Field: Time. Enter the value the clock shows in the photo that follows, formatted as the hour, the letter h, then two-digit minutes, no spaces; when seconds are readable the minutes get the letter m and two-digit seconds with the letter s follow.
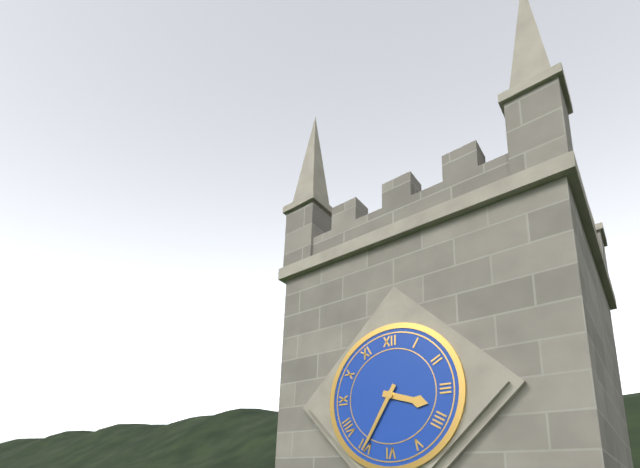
3h35
